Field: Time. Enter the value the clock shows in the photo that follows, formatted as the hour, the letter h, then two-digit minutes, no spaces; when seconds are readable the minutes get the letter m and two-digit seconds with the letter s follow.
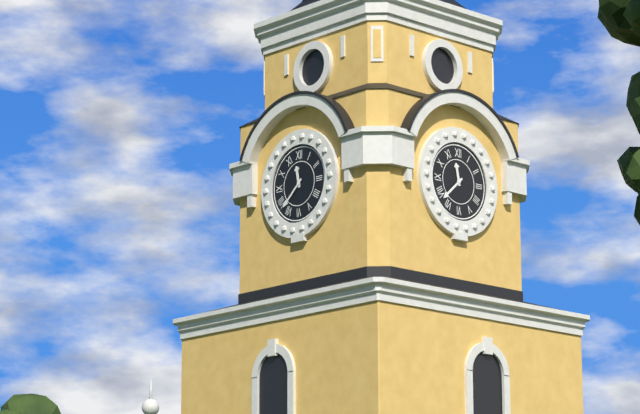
11h38
